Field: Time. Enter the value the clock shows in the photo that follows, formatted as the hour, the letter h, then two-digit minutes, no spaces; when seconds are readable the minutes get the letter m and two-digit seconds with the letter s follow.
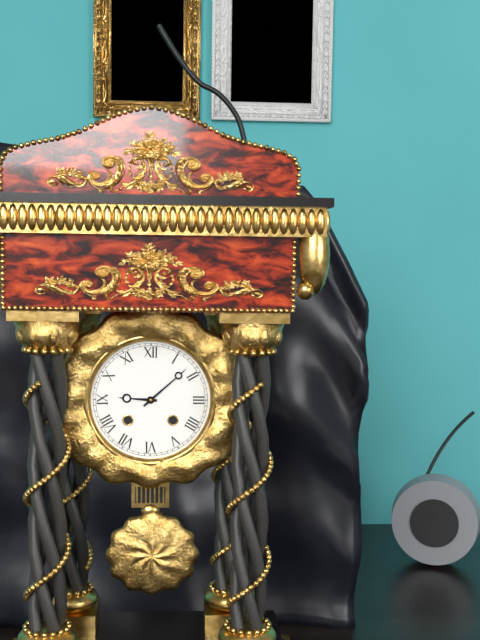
9h08
